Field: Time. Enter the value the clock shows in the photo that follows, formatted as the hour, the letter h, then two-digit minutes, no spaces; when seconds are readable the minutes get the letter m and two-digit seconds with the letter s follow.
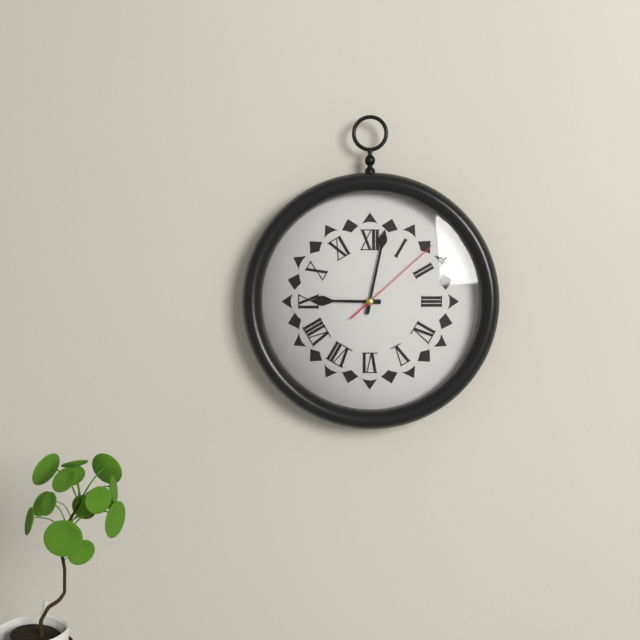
9h02m08s
